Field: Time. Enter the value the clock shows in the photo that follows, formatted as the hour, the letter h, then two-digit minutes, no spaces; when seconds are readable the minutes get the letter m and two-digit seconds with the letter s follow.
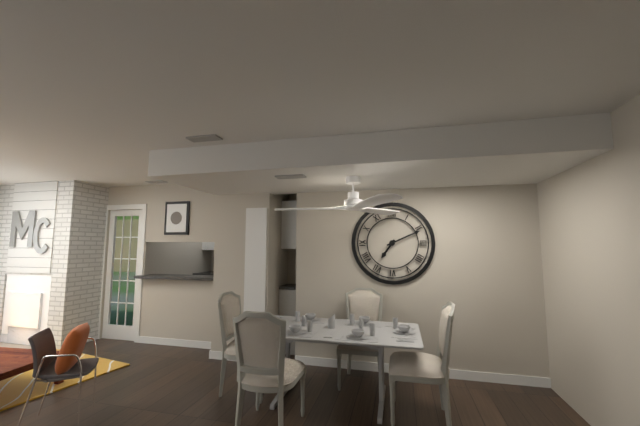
7h11
